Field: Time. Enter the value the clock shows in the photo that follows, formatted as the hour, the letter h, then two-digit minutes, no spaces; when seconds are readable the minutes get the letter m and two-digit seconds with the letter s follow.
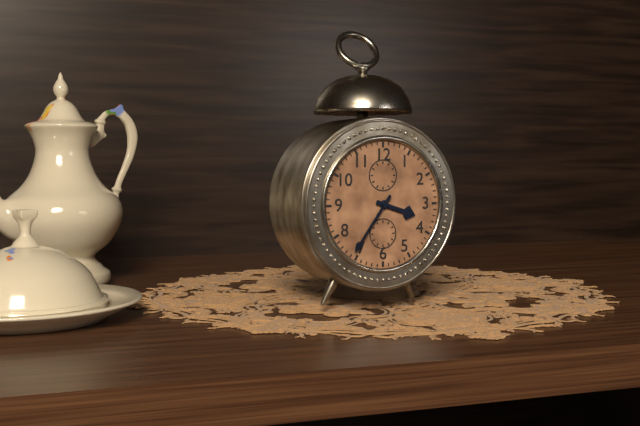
3h36
